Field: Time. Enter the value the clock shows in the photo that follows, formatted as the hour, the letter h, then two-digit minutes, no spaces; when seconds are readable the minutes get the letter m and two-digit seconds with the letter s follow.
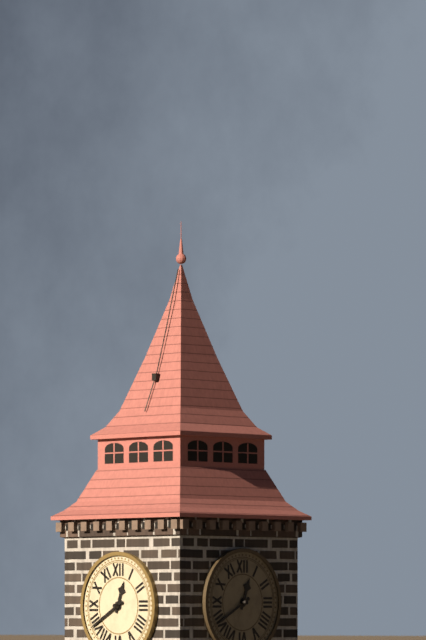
12h40
